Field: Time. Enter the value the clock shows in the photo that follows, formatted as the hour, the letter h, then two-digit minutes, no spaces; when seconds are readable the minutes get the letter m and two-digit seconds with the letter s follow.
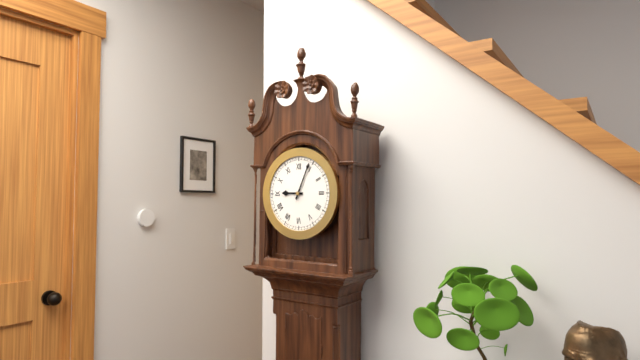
9h04
